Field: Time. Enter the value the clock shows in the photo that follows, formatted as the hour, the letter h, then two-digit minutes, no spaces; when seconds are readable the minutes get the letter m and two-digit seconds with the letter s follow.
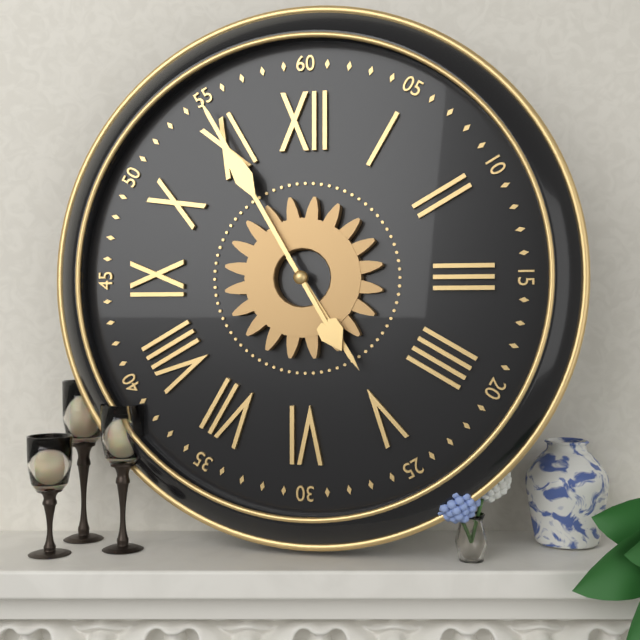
4h55
